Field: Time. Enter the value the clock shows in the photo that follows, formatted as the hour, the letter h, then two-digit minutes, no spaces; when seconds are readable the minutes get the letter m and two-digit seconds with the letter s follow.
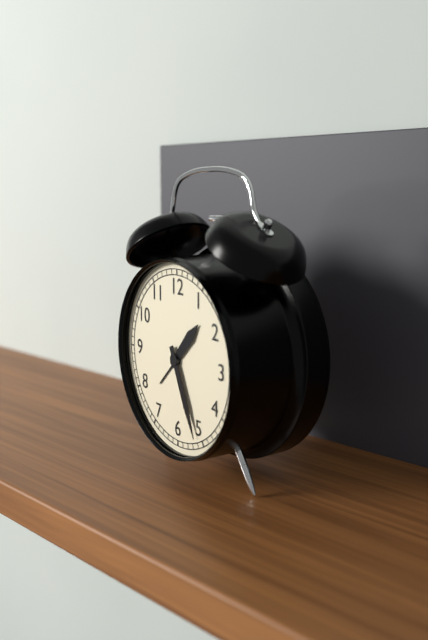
1h26
